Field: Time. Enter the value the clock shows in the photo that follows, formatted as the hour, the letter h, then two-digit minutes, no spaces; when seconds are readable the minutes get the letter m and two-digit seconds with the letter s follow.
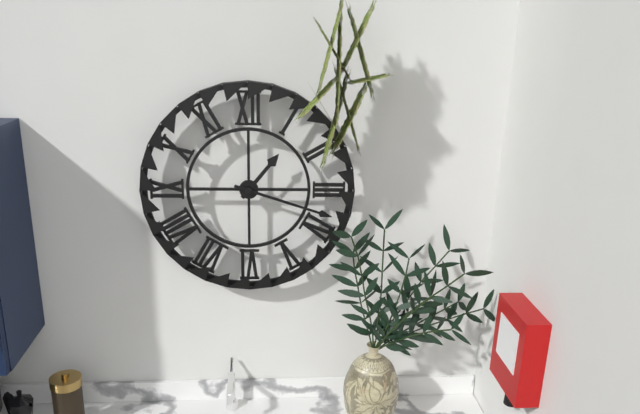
1h18
